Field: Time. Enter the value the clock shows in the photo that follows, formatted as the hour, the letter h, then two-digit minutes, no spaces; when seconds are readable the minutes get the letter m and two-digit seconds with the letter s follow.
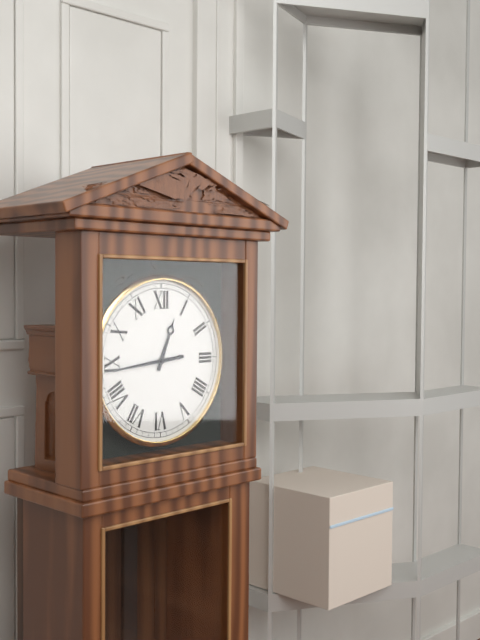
12h44
